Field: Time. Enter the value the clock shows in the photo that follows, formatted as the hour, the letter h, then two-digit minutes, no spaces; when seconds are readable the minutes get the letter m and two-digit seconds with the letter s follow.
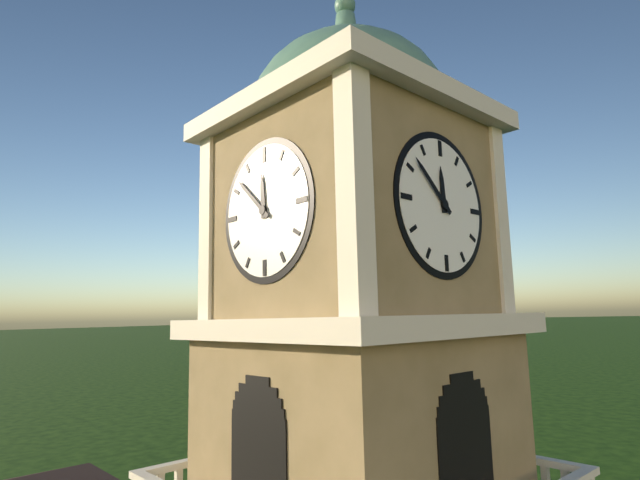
11h52
